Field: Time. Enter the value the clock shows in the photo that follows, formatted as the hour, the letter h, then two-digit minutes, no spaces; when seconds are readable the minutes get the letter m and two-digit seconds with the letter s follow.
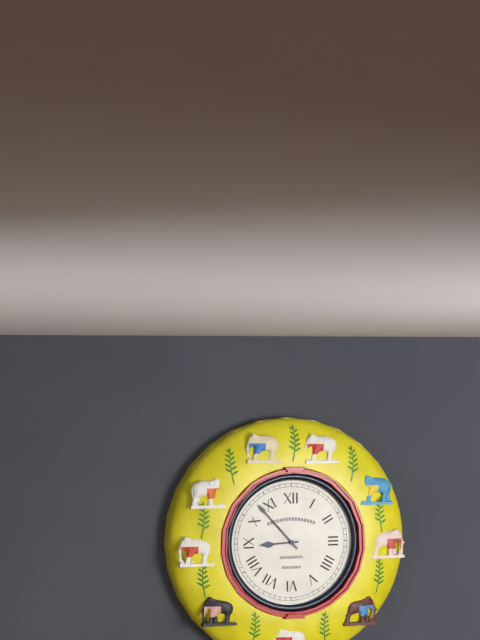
8h53
